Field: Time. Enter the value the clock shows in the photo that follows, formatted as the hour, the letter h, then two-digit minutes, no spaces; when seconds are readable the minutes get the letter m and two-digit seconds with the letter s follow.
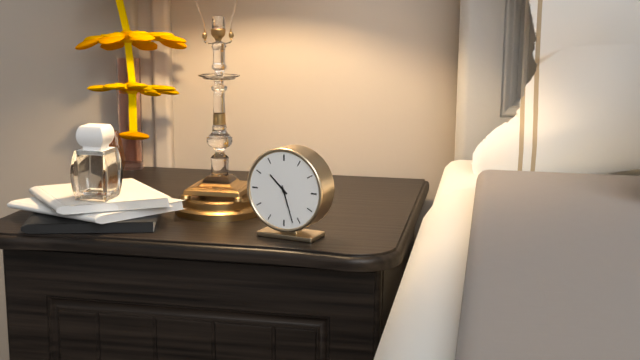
10h27
